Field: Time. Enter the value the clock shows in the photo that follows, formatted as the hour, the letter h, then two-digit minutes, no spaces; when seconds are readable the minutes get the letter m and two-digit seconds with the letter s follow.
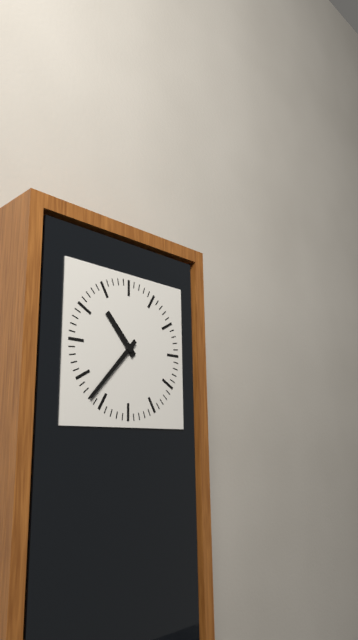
10h37
